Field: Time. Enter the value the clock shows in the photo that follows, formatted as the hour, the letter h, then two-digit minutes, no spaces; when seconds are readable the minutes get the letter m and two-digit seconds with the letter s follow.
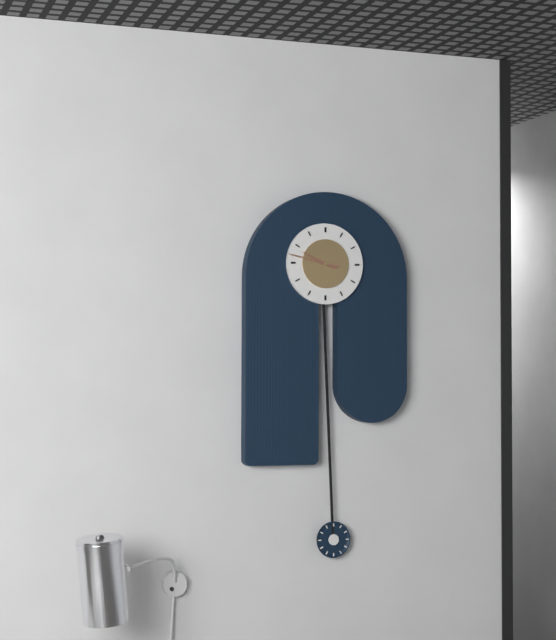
9h47
